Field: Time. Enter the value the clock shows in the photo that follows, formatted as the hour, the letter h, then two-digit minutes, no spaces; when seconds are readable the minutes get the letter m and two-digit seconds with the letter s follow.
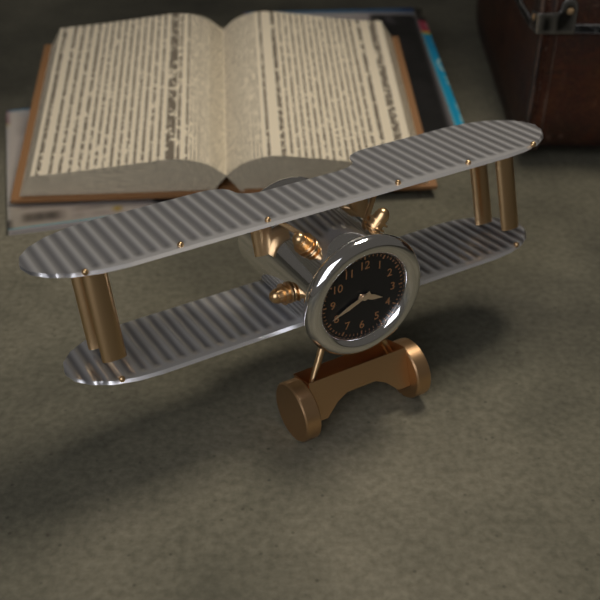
3h41
